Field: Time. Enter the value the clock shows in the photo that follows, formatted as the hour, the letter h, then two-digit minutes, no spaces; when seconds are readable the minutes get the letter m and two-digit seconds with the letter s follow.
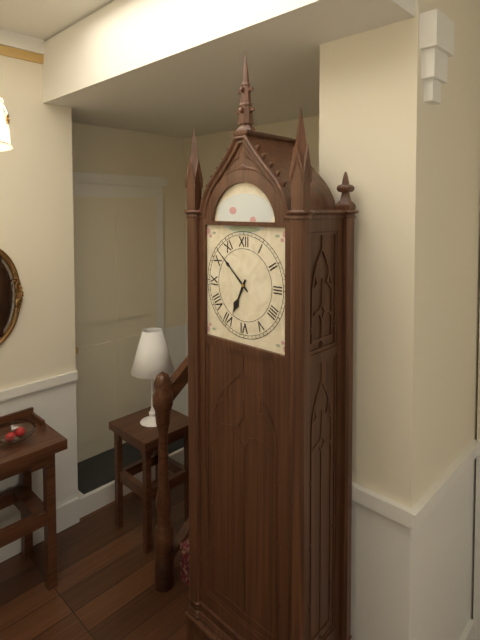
6h52
